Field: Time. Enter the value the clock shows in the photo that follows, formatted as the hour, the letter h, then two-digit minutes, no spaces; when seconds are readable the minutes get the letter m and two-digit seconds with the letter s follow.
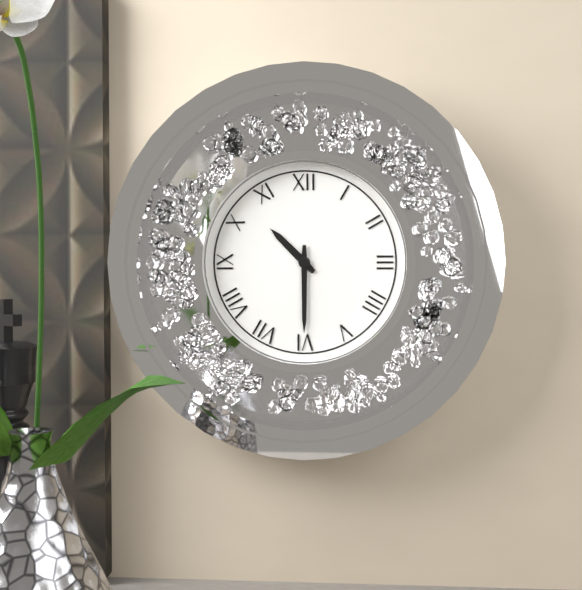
10h30
